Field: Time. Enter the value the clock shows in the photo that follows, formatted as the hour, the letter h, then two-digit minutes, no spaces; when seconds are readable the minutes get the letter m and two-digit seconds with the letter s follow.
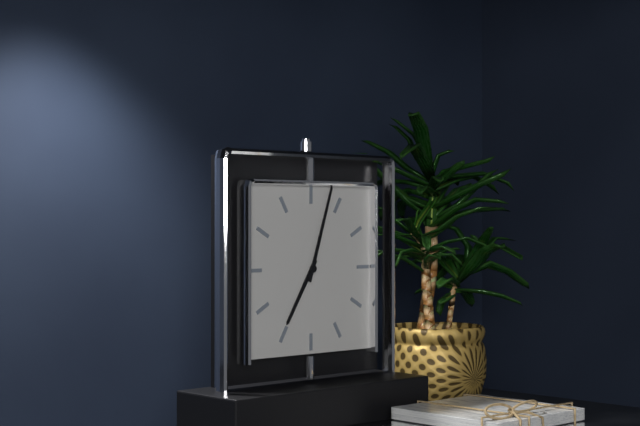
7h03
